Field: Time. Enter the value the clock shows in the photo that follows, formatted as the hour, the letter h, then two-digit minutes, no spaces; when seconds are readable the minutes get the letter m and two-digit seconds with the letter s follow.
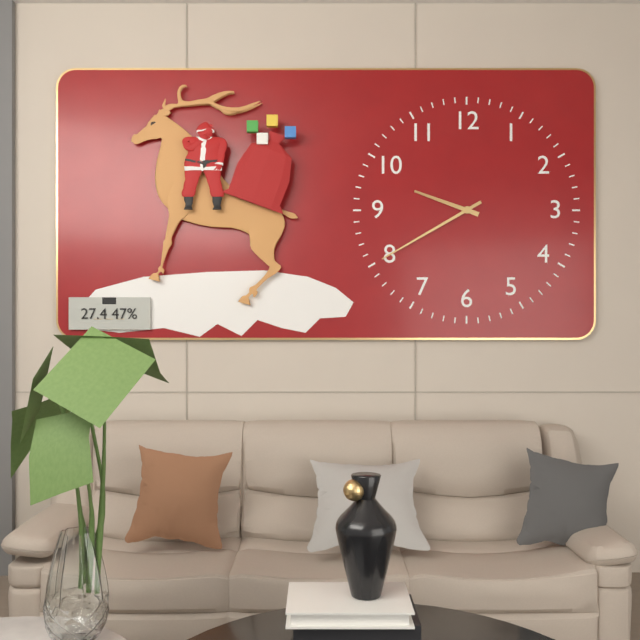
9h40
